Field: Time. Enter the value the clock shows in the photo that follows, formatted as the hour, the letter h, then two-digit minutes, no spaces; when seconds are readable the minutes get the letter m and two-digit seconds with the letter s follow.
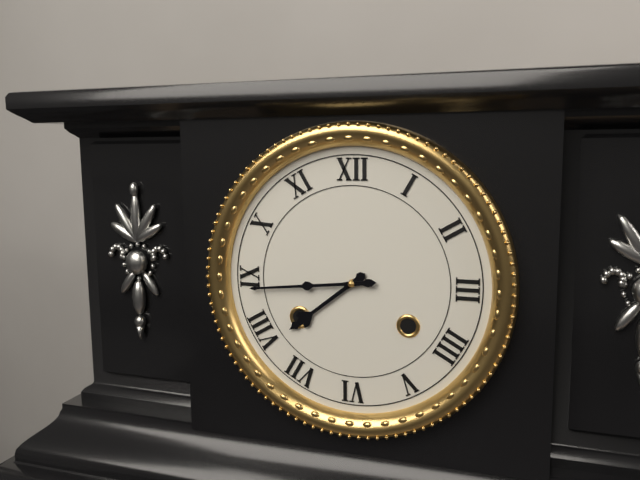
7h44
